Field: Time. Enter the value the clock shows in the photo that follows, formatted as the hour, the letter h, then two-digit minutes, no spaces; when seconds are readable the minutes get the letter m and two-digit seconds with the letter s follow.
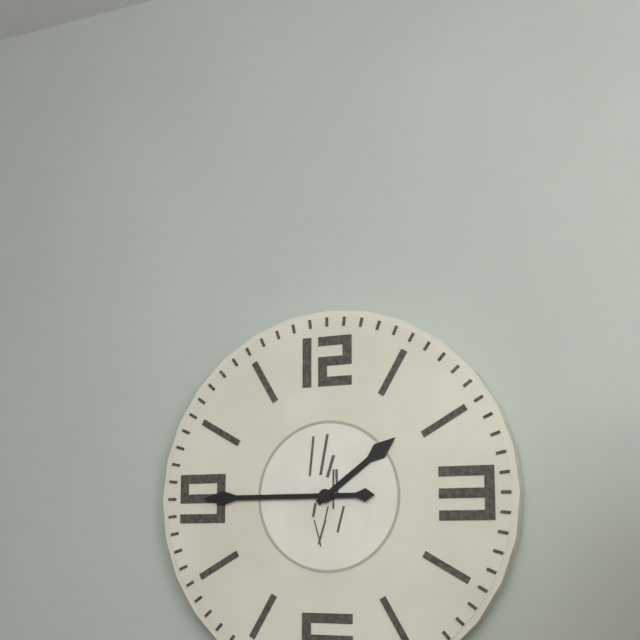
1h45
